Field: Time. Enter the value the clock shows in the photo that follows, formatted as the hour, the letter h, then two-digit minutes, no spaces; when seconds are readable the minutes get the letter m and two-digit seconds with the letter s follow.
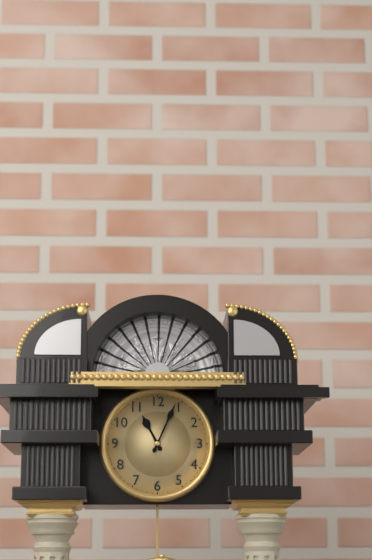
11h04
